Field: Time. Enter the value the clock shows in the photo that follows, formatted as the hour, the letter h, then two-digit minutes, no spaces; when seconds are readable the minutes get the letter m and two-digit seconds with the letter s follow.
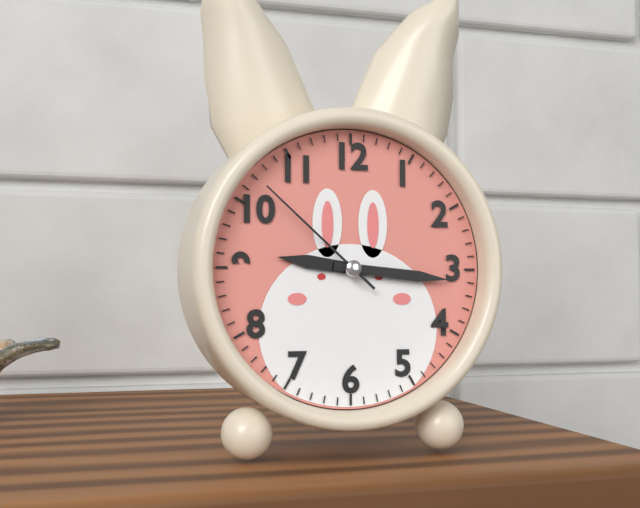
9h16m52s
